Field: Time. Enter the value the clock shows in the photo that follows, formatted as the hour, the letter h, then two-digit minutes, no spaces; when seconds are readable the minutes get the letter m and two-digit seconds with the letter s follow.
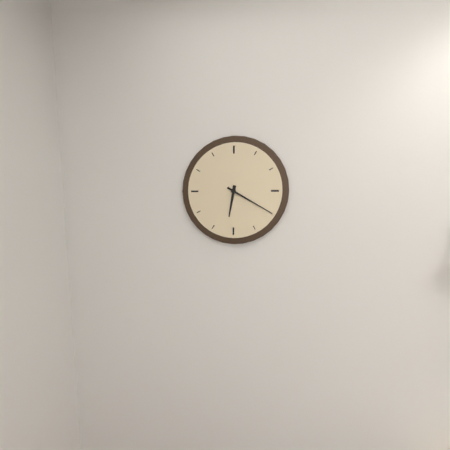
6h20
